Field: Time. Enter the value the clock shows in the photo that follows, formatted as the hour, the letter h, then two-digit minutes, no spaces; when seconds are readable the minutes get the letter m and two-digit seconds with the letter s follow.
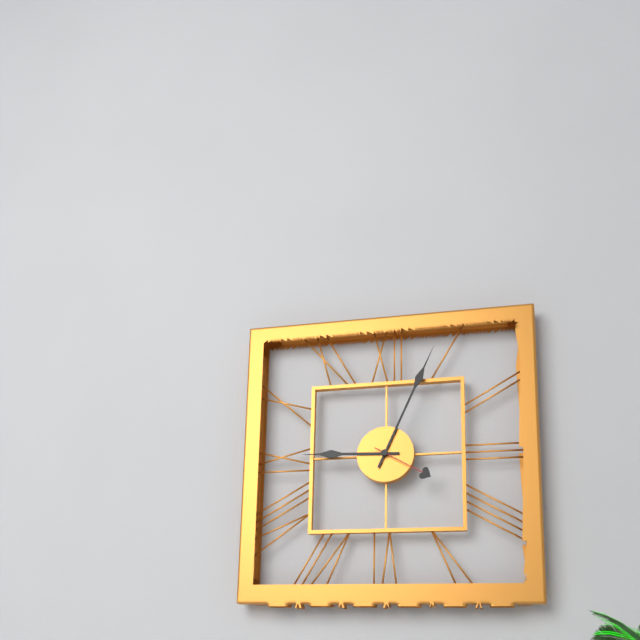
9h04m20s
